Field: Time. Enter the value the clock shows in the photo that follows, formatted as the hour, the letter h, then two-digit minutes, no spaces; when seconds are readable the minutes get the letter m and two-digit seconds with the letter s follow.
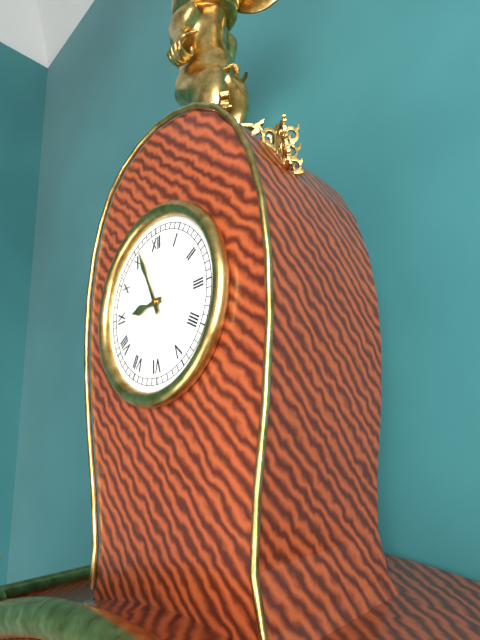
8h56
